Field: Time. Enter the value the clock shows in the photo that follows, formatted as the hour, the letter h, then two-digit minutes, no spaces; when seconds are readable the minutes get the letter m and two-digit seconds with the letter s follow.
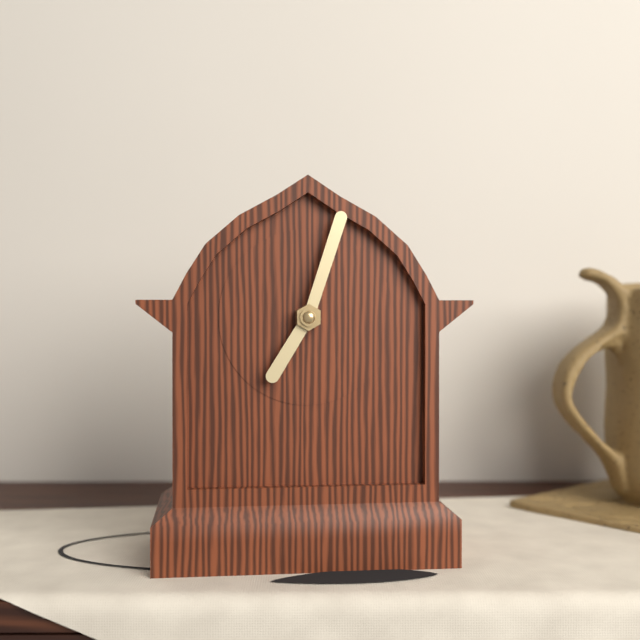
7h03
